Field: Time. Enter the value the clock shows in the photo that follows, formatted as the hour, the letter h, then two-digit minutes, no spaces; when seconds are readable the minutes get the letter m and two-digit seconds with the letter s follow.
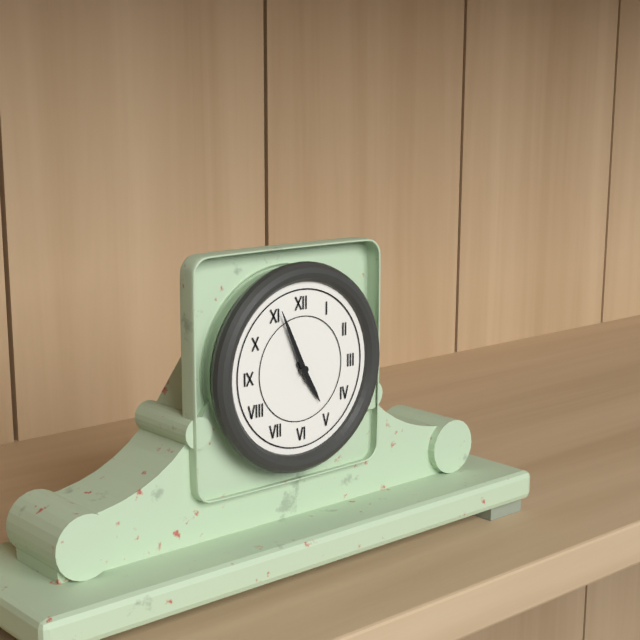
4h56
